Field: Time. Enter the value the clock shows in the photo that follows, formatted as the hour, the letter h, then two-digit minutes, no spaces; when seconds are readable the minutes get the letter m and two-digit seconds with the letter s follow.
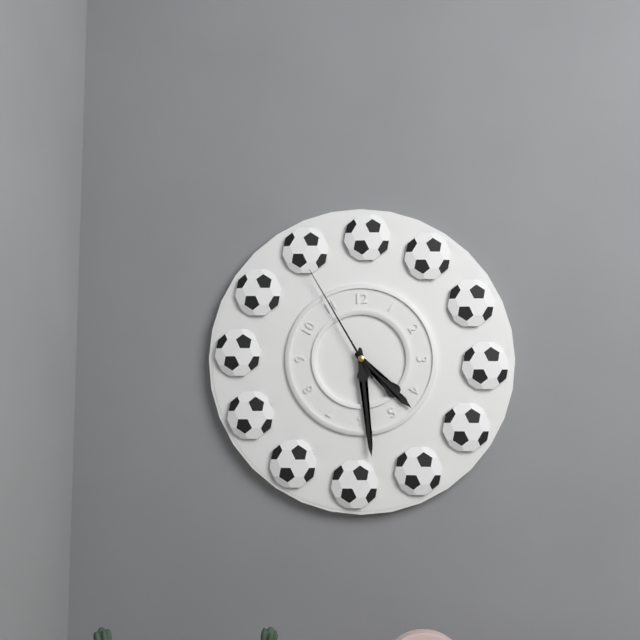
4h29m55s
